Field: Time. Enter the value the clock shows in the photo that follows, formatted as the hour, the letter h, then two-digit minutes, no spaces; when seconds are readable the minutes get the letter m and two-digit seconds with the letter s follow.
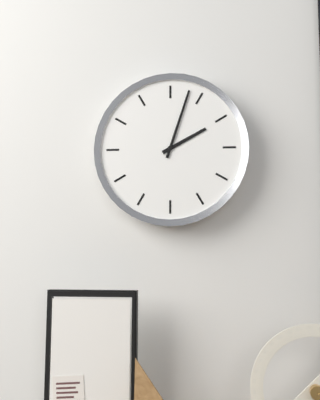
2h03
